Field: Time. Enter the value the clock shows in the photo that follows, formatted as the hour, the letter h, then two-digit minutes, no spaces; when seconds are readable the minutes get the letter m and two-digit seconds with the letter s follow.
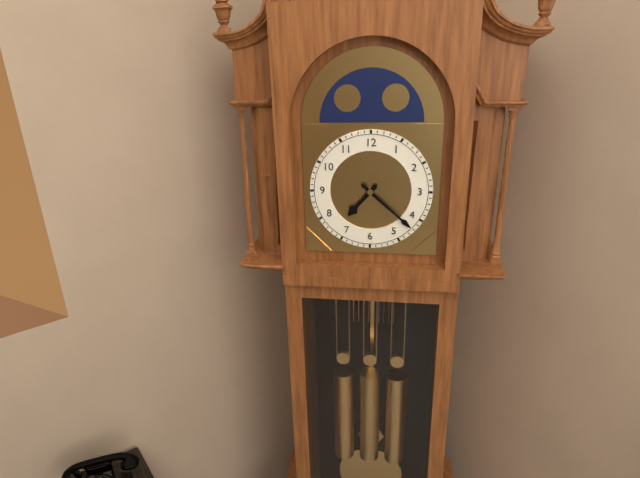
7h22
